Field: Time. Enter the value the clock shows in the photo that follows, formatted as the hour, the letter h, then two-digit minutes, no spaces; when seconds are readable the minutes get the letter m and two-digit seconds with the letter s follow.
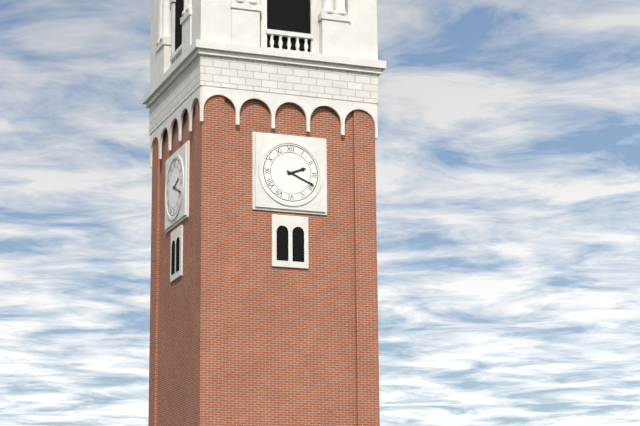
2h19
